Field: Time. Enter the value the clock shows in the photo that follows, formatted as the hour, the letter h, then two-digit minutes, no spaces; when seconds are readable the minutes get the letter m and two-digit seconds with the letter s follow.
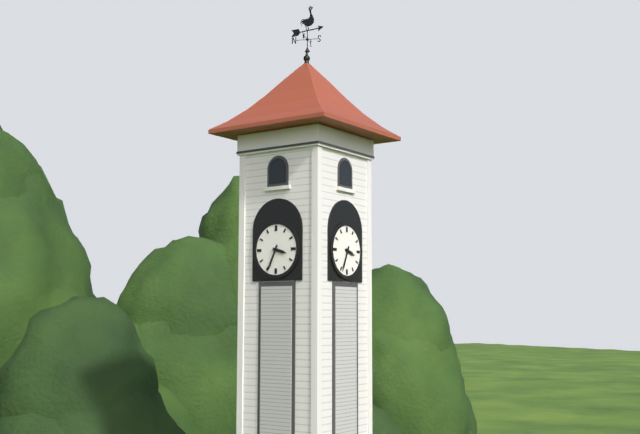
3h34
